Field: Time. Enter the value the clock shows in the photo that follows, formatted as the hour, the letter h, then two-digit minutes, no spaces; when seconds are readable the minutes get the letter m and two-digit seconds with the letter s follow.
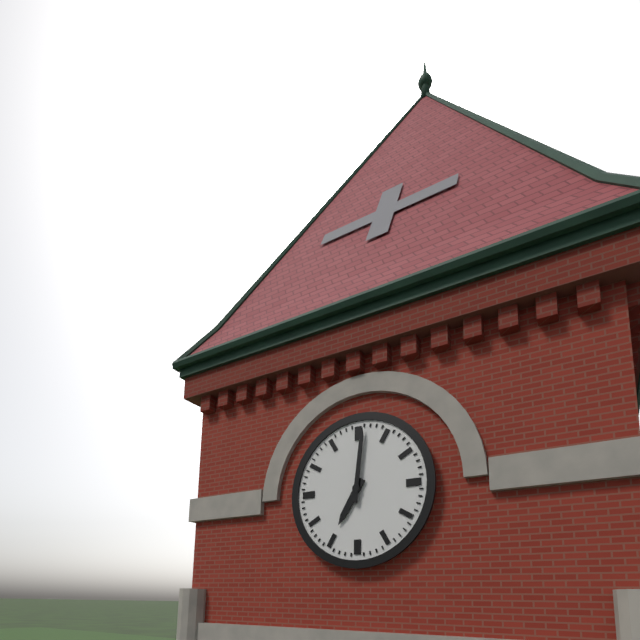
7h01
